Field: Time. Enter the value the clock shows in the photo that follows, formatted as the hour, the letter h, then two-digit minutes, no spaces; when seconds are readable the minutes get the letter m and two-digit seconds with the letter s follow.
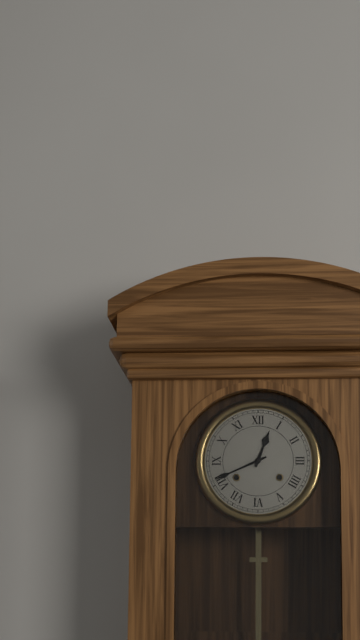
12h41
